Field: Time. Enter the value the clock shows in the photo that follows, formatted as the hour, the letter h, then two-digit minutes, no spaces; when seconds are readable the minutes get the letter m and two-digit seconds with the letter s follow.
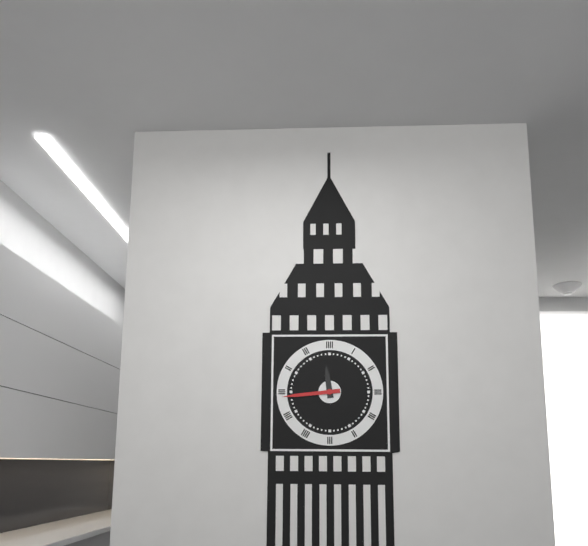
11h44
